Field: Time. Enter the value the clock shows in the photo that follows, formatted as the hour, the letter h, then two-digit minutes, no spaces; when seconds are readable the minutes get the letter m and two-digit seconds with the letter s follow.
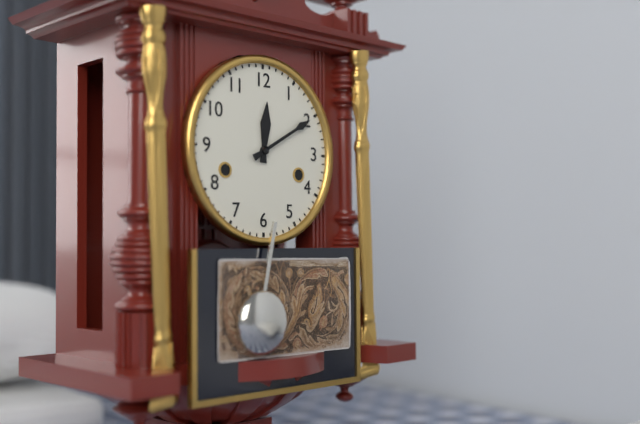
12h10
